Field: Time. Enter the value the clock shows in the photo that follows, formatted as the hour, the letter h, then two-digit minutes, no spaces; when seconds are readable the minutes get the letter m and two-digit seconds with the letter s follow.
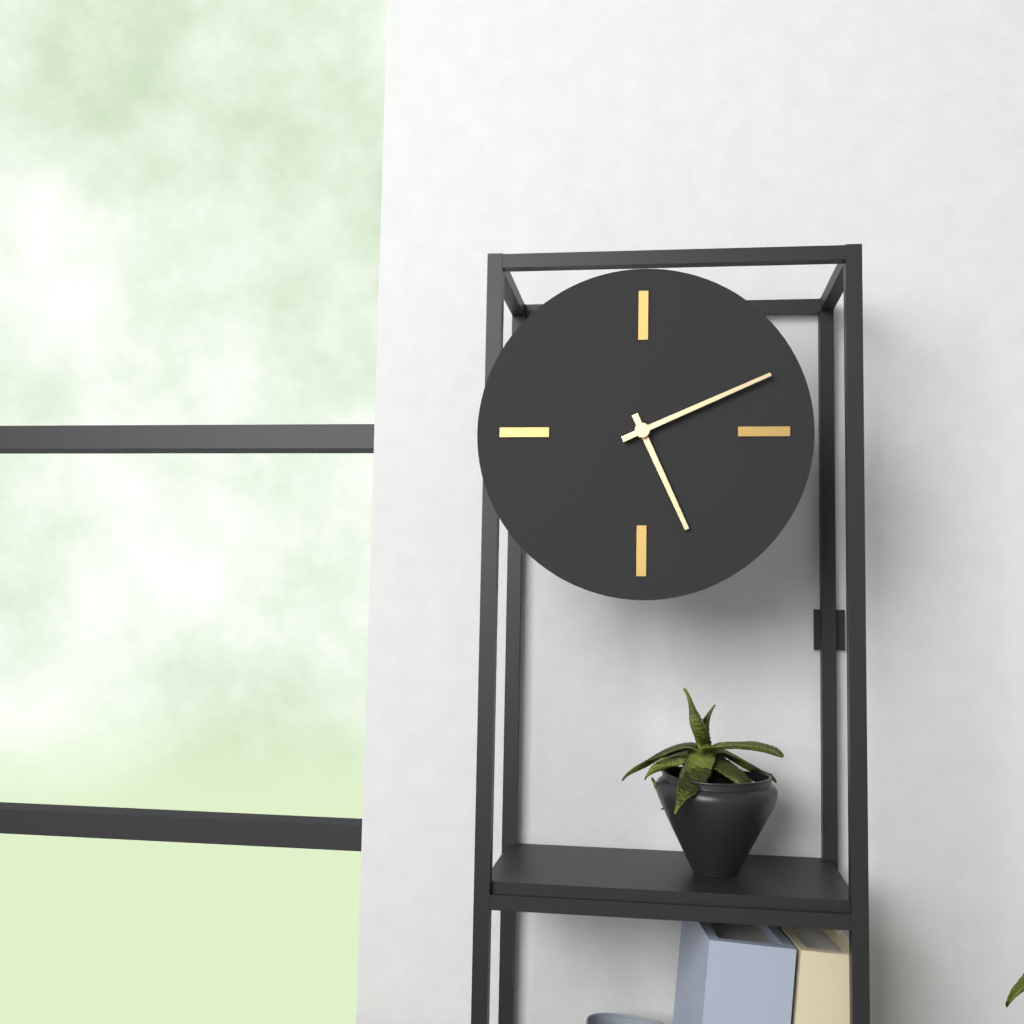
5h11
